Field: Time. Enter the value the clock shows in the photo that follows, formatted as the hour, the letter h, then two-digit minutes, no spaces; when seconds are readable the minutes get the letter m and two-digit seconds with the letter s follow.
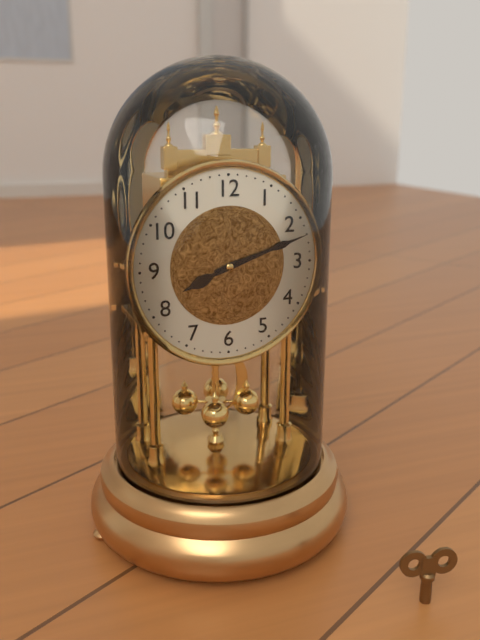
8h12
